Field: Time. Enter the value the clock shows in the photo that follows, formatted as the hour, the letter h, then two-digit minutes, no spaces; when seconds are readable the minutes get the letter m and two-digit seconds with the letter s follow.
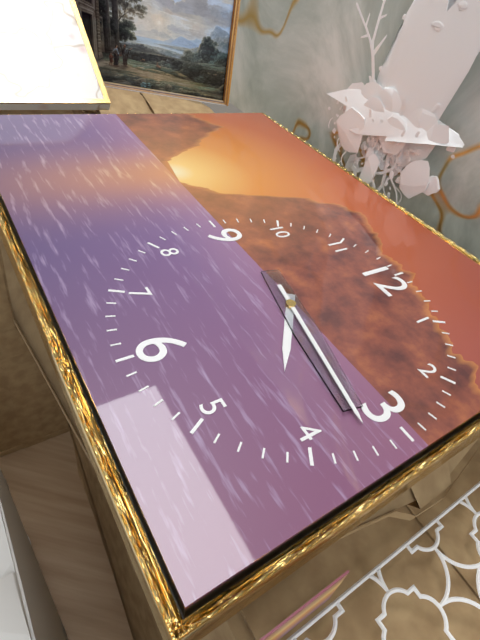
4h17
